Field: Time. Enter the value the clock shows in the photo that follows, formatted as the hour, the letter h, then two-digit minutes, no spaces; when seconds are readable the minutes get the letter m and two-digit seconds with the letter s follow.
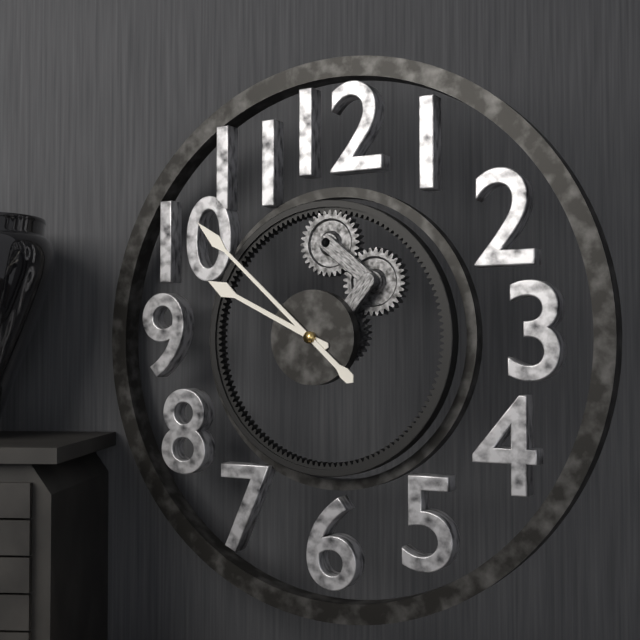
9h52
